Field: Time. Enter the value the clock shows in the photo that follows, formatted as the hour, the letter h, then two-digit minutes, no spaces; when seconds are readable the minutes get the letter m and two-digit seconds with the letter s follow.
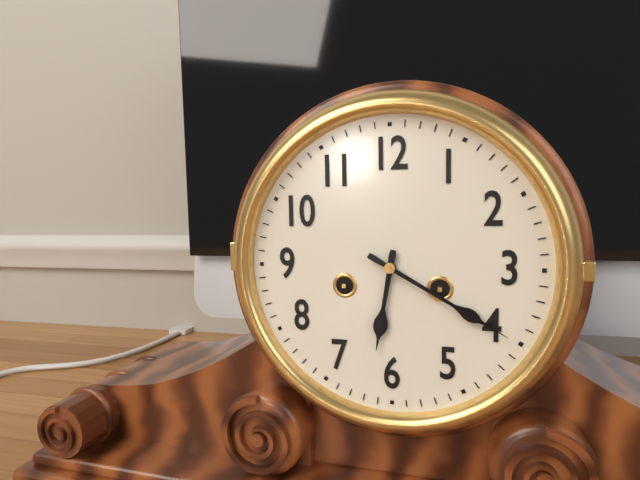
6h20
